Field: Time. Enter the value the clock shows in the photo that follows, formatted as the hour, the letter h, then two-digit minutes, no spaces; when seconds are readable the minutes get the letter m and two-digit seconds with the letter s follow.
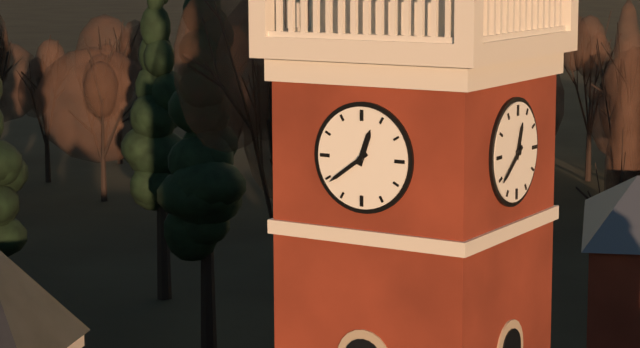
12h39
